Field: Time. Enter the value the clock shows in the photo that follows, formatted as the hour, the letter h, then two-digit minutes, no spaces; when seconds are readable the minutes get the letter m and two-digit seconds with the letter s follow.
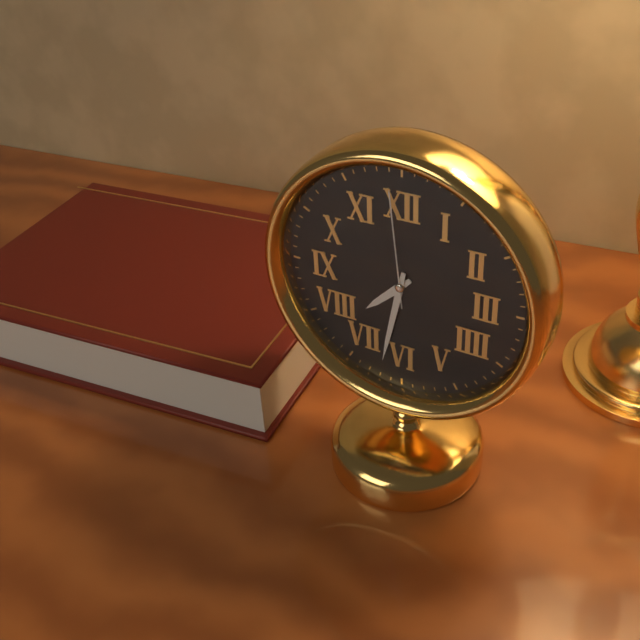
7h32m59s
